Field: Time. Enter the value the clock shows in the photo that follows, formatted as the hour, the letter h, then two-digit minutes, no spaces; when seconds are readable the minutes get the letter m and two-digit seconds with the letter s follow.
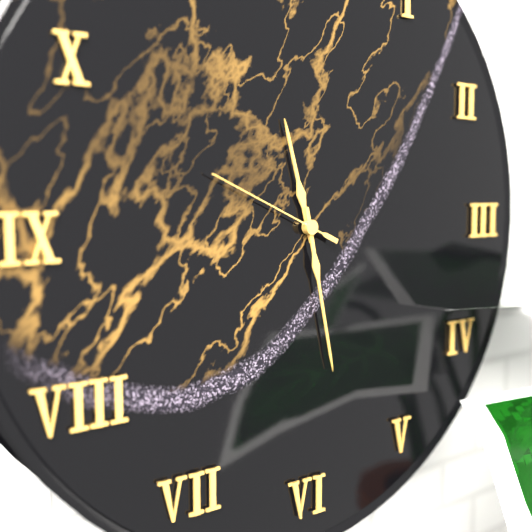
11h28m49s
